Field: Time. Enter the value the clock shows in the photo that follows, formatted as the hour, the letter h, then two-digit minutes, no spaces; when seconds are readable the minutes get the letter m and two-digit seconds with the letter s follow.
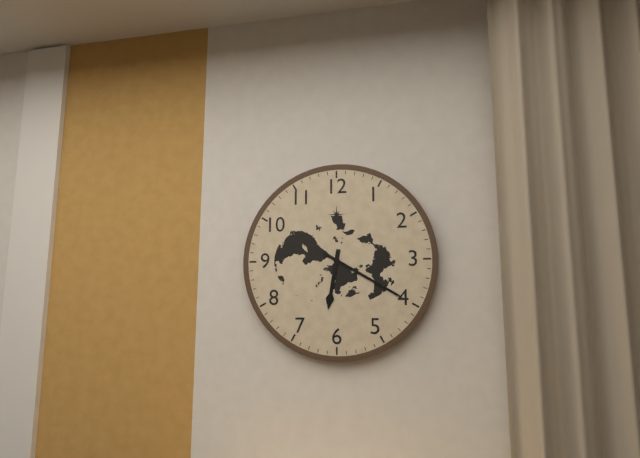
6h20
